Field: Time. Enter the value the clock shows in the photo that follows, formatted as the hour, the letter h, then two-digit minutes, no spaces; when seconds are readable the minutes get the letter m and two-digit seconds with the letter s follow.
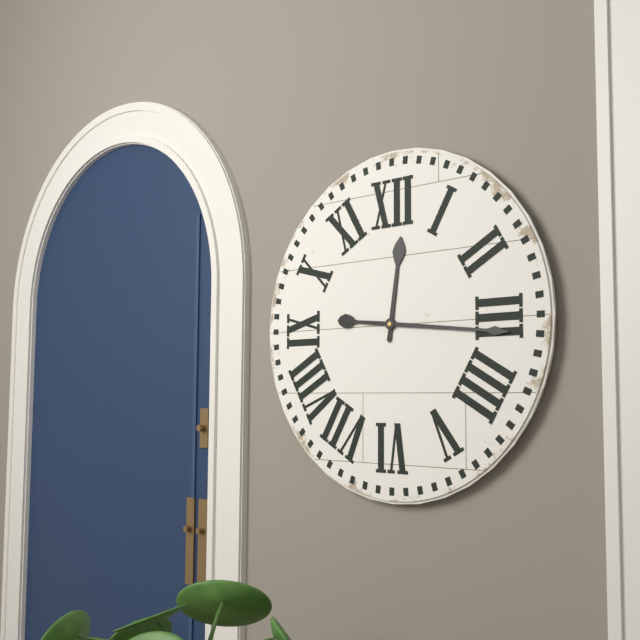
12h16
